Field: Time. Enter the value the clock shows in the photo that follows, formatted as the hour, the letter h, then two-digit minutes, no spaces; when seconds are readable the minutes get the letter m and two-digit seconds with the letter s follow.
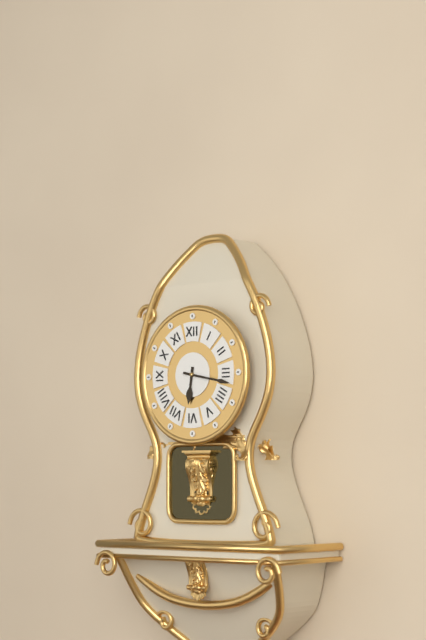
6h17
